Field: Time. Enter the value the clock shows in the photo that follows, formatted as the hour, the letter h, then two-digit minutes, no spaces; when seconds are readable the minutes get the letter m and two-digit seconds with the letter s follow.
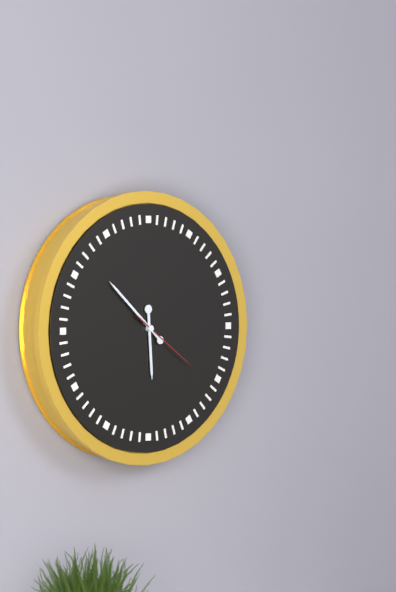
5h52m21s
